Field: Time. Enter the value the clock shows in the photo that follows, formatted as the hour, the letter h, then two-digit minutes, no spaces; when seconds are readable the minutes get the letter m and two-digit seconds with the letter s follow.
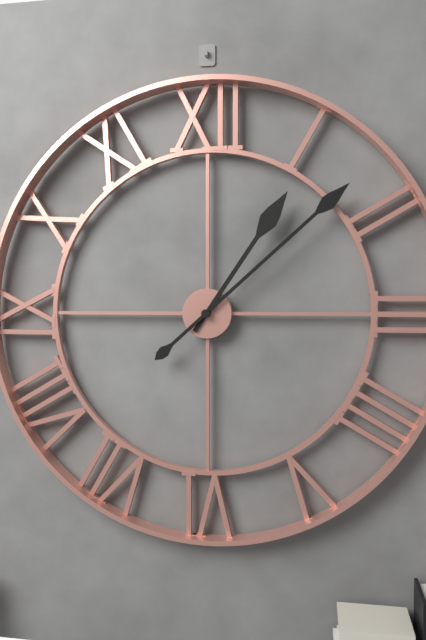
1h08
